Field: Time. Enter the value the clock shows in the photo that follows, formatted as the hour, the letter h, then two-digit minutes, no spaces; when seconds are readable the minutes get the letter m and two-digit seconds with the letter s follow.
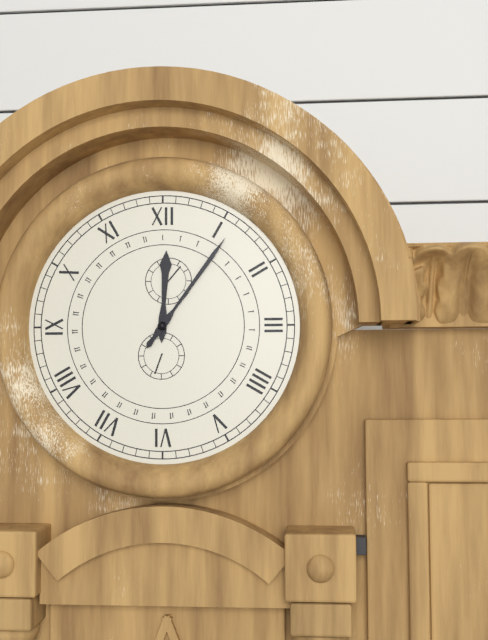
12h06
